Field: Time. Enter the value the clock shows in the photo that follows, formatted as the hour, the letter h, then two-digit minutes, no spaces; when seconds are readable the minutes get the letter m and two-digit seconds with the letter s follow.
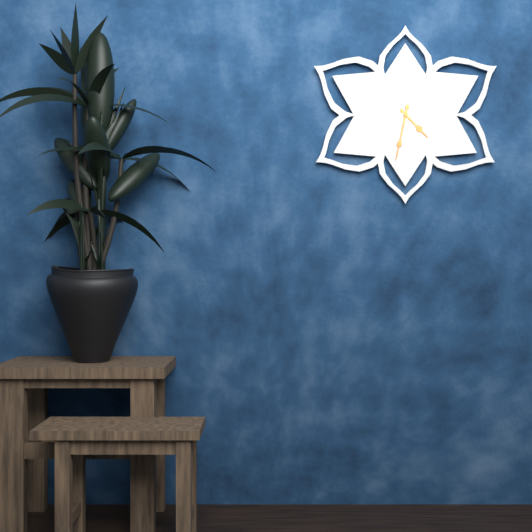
4h32
